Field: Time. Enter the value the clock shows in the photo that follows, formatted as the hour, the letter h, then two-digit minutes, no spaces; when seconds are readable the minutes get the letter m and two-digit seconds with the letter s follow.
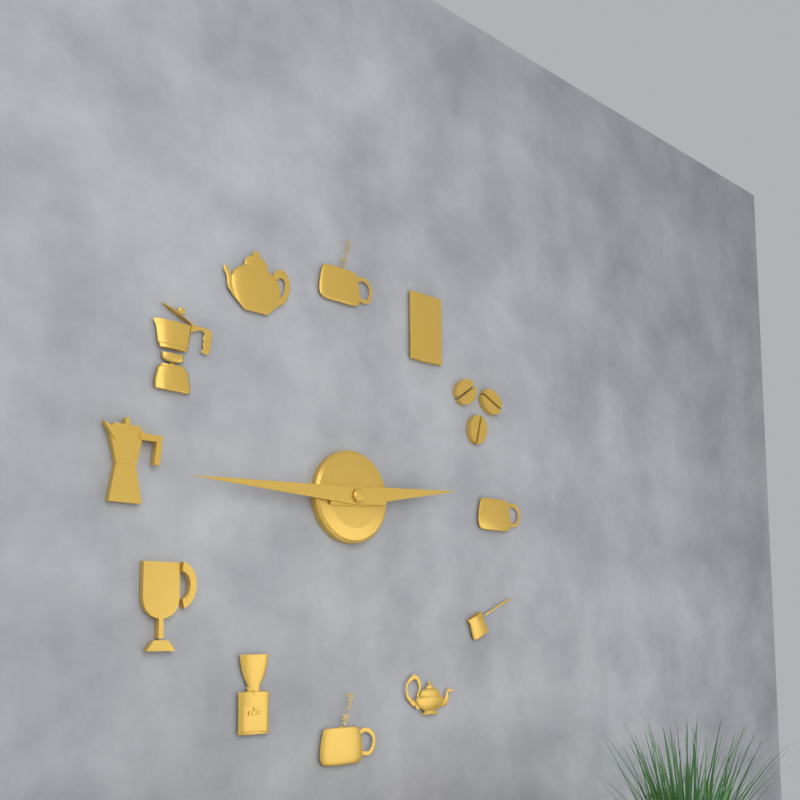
2h45
